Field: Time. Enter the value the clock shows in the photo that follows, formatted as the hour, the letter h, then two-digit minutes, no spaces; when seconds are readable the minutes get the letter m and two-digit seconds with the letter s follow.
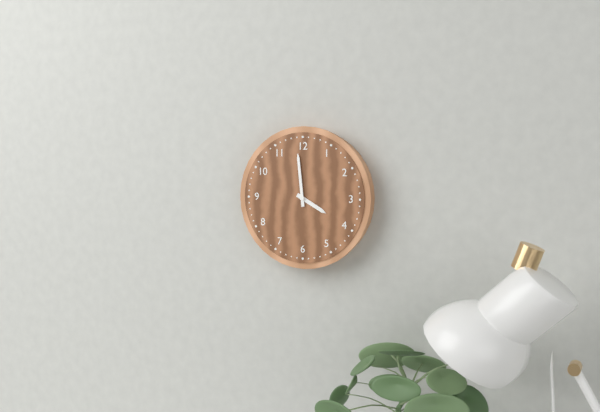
3h59
